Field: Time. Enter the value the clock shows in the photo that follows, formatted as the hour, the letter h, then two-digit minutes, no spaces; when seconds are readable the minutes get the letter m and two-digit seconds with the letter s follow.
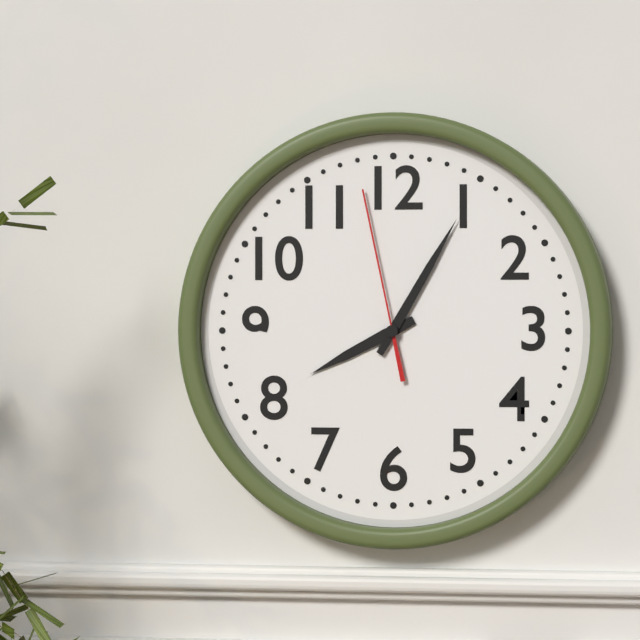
8h05m58s
